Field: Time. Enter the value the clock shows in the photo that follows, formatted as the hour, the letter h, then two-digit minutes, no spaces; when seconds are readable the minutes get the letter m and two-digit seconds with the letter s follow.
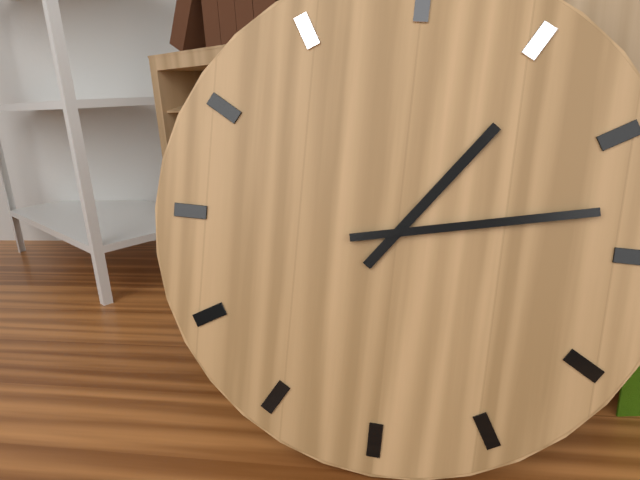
1h13
